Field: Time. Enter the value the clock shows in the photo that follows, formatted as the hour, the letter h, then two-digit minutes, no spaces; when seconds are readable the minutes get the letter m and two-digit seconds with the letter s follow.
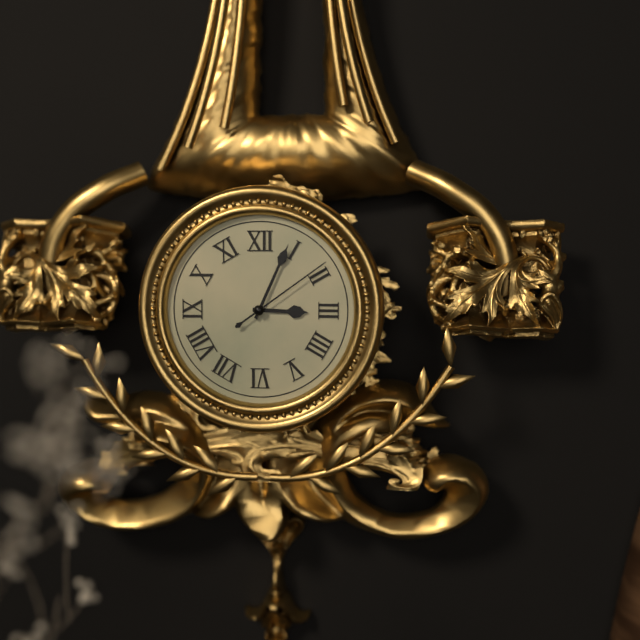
3h04m09s
